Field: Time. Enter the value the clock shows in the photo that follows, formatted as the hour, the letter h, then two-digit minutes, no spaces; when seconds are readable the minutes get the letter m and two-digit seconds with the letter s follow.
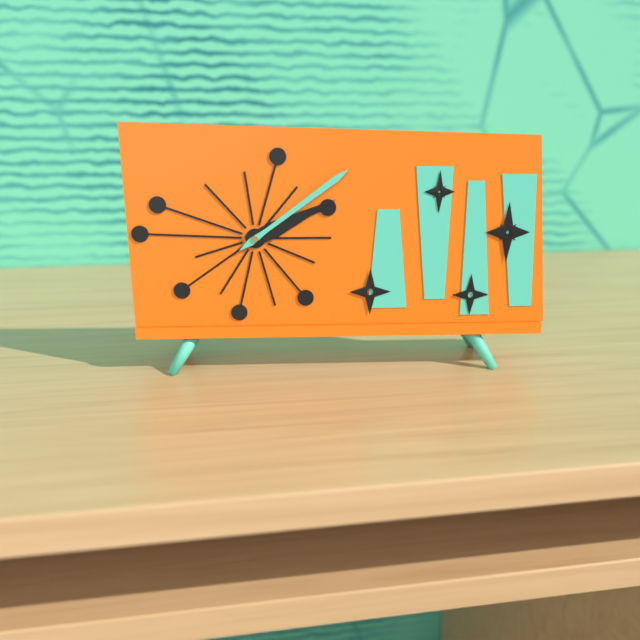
2h09
